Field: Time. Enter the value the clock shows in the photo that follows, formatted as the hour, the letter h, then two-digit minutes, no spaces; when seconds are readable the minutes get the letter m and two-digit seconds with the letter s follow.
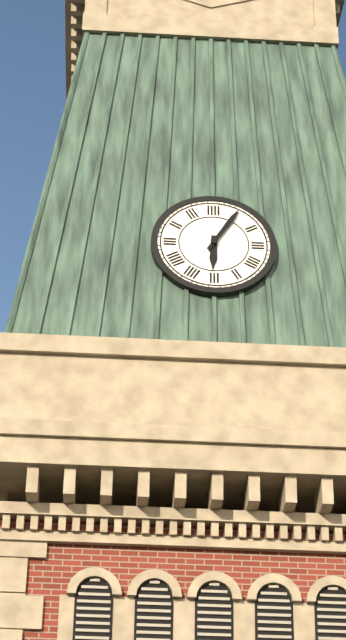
6h05
